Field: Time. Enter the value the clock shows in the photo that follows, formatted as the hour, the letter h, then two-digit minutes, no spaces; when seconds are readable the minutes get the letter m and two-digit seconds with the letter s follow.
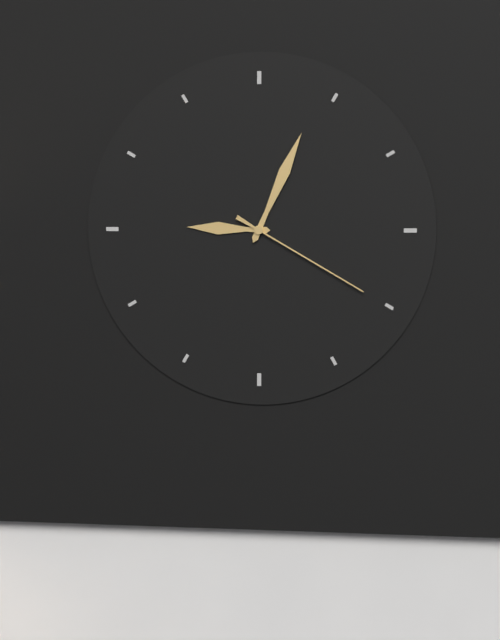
9h04m20s
